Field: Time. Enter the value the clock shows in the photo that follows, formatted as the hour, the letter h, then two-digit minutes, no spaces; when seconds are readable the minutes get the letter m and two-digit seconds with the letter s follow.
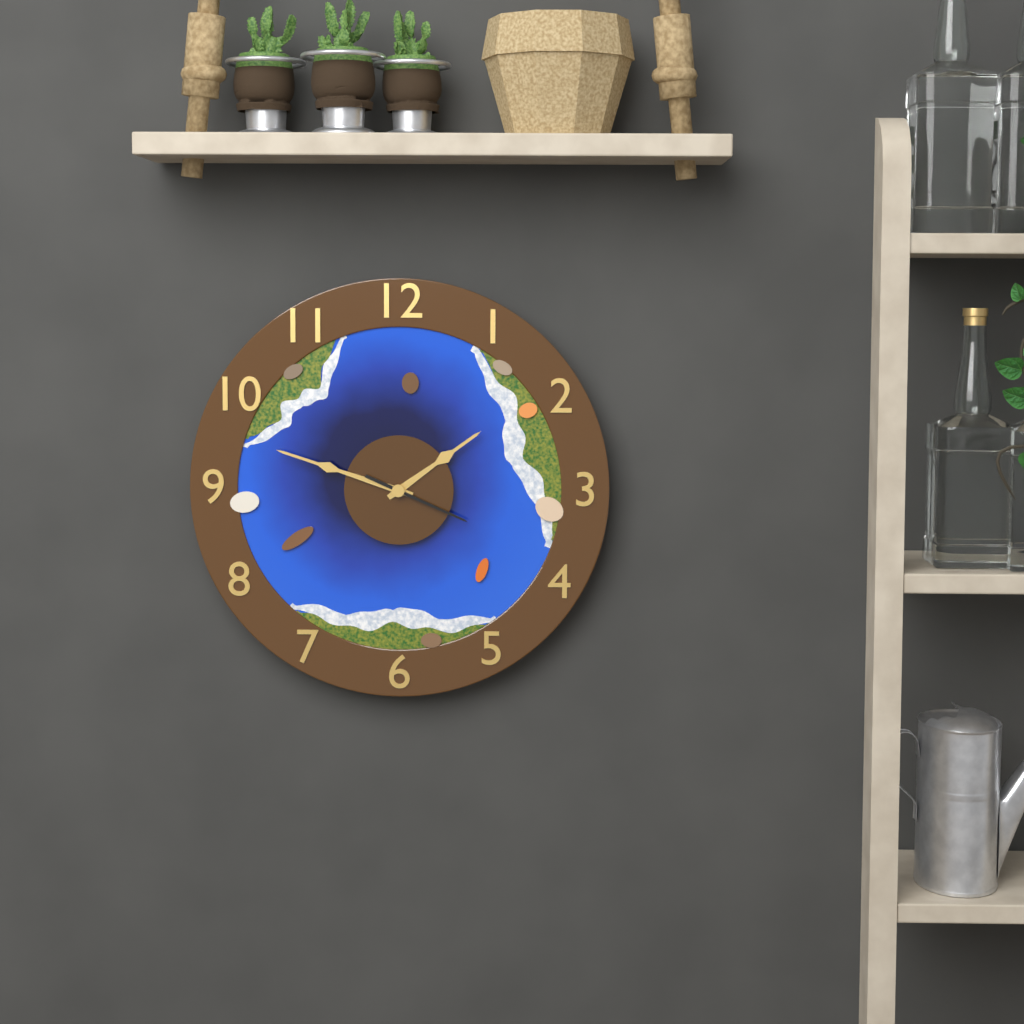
1h48m19s
